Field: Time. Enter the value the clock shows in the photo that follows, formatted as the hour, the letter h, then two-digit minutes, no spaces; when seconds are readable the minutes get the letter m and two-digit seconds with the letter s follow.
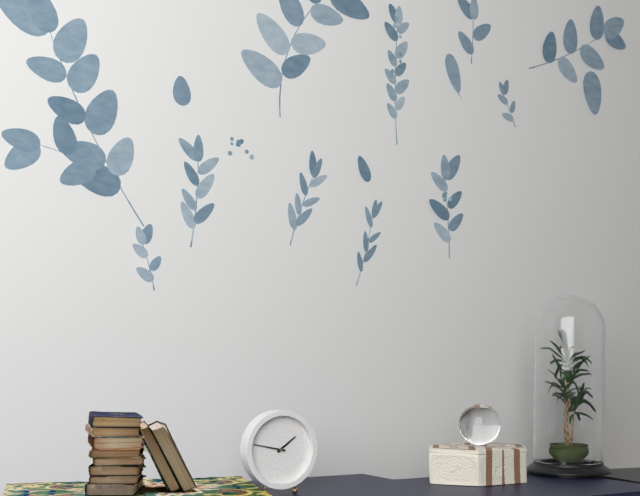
1h47
